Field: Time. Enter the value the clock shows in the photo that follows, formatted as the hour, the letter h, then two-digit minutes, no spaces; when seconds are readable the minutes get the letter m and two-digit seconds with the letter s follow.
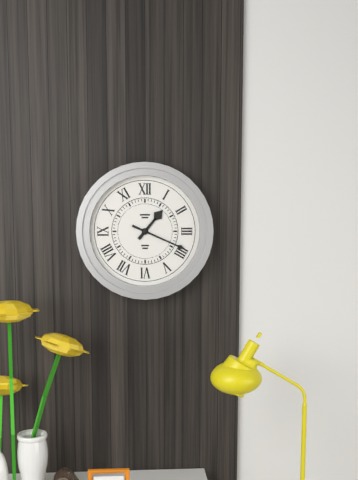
1h19
